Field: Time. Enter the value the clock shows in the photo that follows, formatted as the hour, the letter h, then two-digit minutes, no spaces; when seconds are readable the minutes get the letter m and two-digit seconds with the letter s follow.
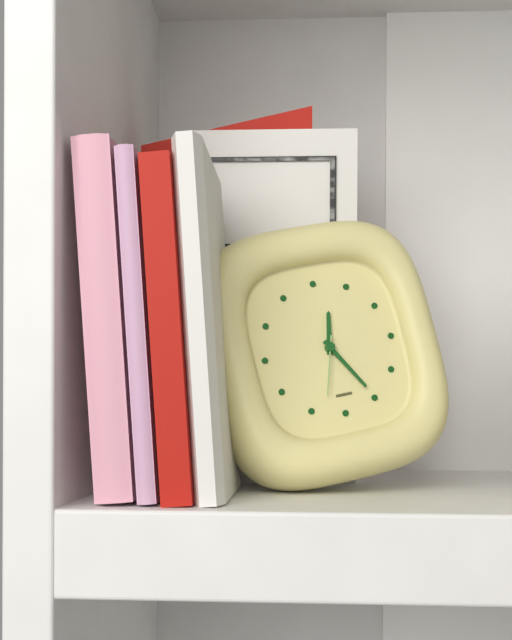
12h25m33s
